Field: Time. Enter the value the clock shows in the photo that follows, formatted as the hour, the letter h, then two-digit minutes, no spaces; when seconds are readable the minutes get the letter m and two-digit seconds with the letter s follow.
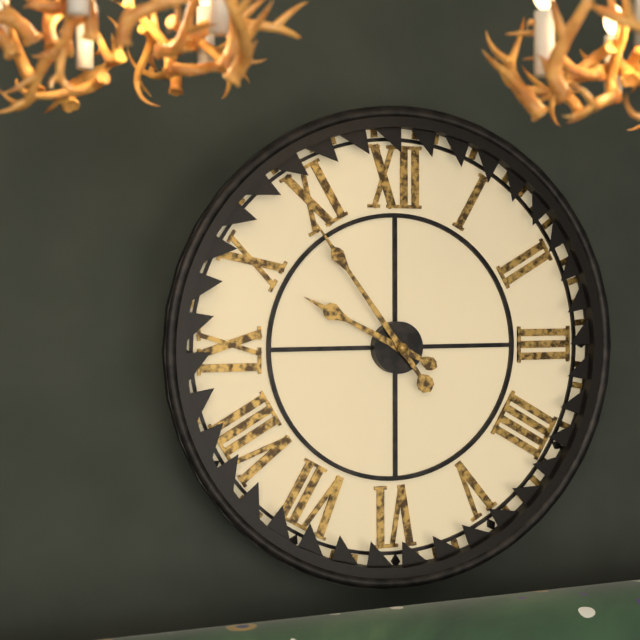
9h54
